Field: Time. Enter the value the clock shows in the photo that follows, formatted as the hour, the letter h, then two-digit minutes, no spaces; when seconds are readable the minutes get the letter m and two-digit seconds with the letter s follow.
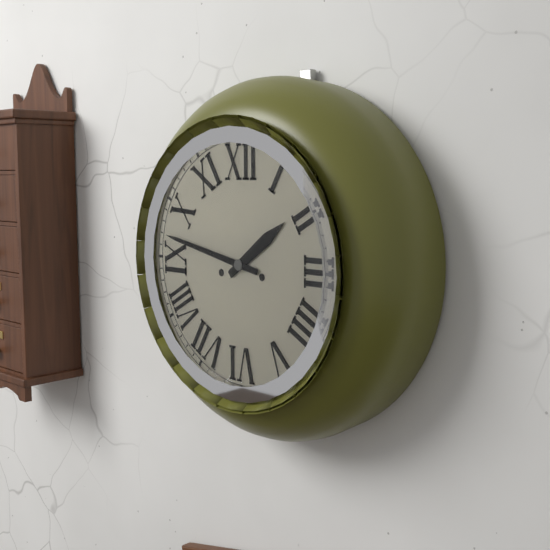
1h47
